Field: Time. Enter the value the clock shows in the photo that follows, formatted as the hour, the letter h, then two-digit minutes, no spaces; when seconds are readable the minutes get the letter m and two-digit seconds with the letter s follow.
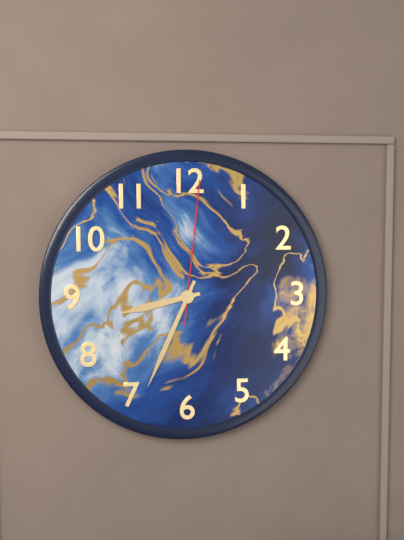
8h34m01s
